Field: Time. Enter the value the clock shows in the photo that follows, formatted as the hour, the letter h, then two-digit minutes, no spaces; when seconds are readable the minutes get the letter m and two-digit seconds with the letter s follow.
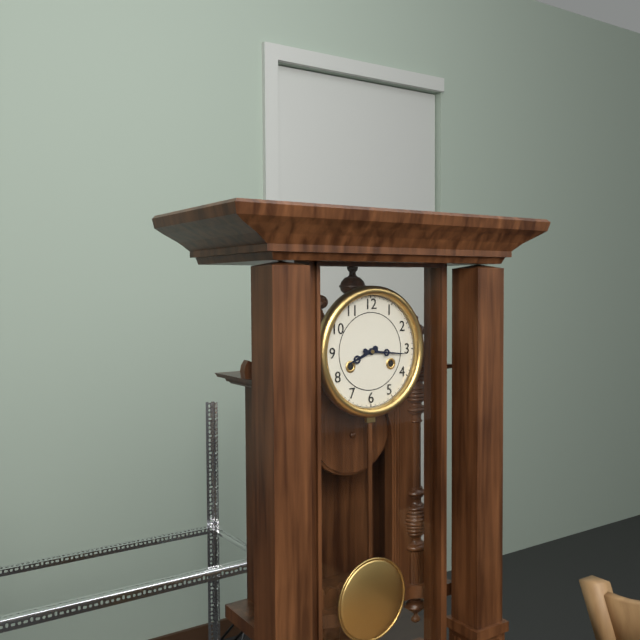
8h16
